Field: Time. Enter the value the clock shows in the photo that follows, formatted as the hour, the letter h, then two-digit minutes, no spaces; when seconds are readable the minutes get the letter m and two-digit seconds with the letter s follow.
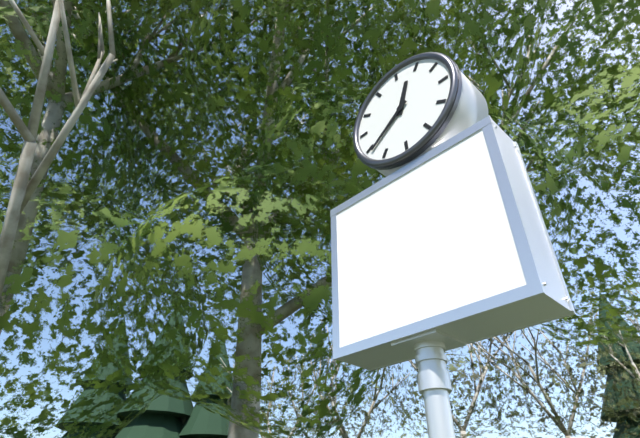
12h39
